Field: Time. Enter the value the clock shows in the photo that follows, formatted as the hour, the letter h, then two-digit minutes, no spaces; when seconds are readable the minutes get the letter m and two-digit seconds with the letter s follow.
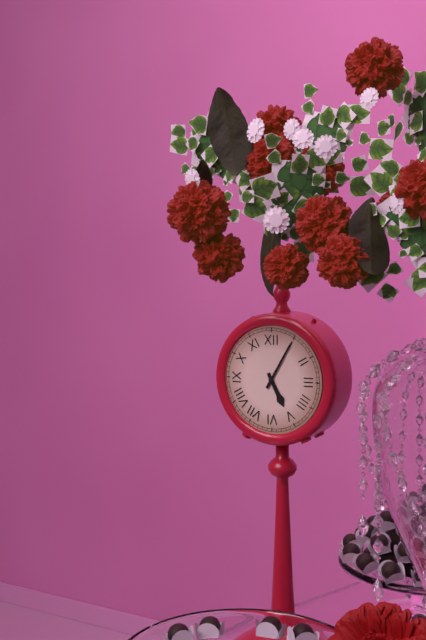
5h05
